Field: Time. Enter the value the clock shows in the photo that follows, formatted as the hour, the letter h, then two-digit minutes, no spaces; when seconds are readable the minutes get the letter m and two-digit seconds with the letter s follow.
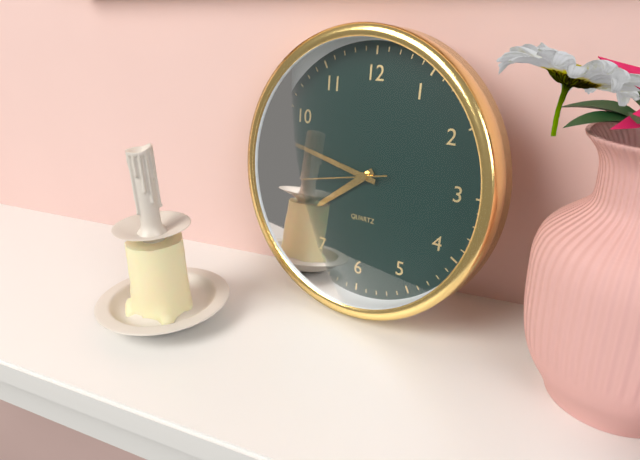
7h47m43s
